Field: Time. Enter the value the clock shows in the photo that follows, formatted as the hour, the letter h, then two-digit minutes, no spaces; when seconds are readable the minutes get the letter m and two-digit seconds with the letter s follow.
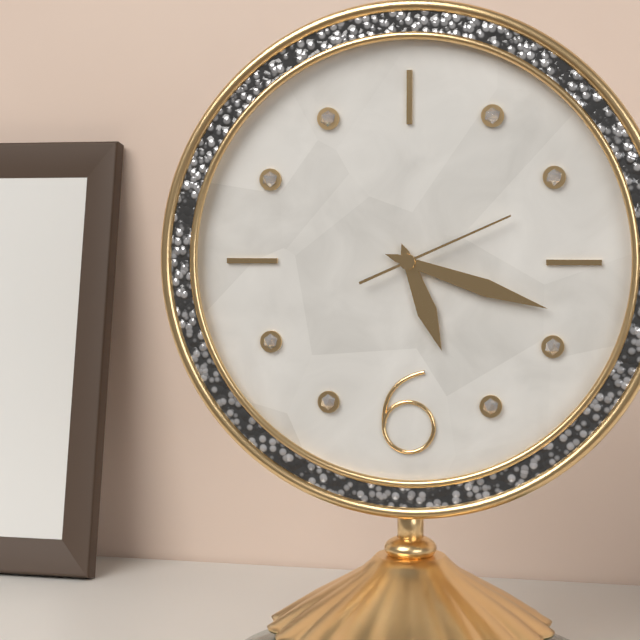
5h18m11s
